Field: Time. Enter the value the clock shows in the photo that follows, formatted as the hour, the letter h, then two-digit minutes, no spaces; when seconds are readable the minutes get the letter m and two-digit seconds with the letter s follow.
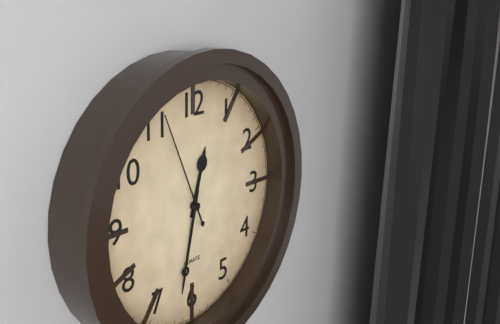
12h32m56s
